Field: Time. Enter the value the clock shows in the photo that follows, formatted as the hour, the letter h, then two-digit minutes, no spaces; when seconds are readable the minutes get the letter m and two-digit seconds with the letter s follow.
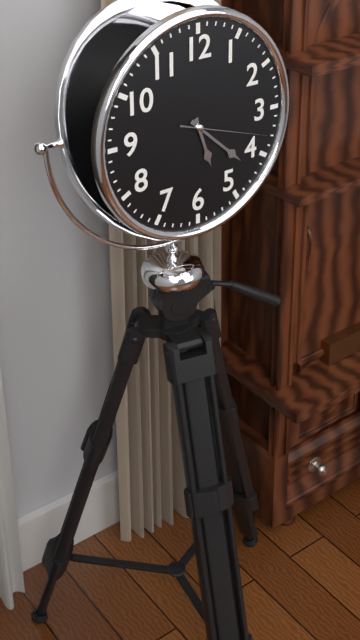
5h22m18s
